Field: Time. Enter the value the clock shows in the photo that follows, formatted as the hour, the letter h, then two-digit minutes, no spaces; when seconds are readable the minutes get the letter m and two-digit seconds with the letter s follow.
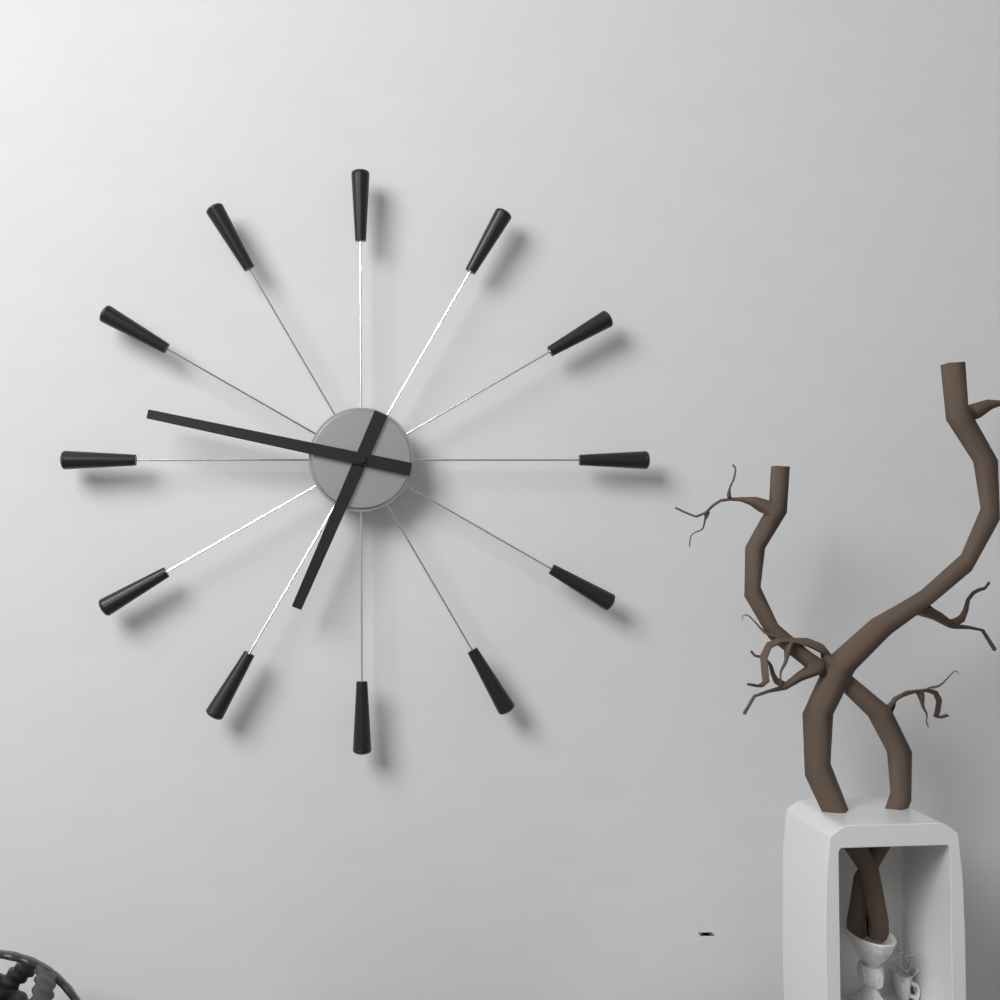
6h47
